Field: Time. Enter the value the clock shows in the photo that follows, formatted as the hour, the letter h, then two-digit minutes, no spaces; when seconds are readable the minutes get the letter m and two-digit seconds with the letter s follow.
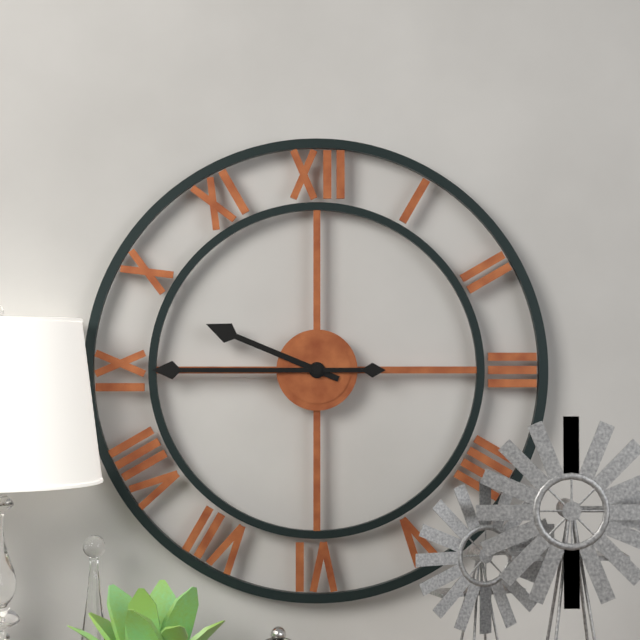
9h45
